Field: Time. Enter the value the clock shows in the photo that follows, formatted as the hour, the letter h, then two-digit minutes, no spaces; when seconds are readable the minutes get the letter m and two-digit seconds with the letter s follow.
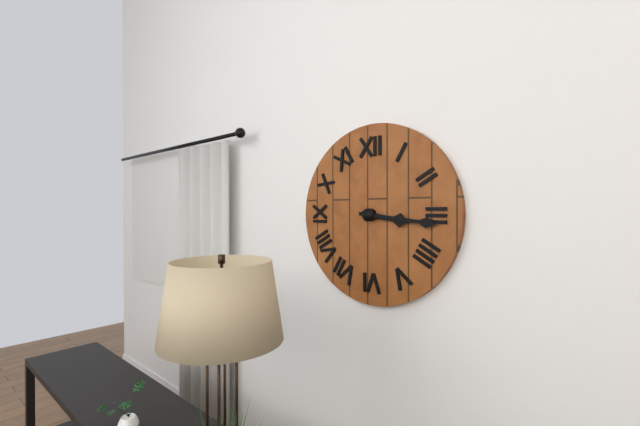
3h16
